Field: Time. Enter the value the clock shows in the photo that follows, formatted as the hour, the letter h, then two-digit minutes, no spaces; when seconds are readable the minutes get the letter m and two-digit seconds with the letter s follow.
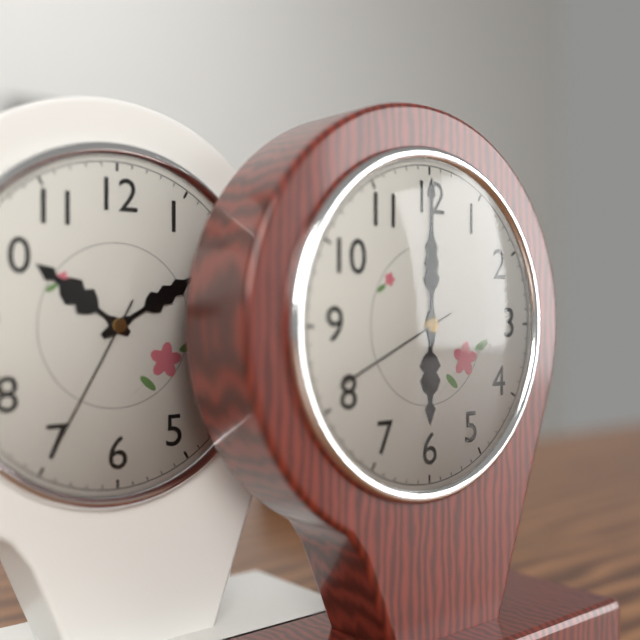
6h00m41s
